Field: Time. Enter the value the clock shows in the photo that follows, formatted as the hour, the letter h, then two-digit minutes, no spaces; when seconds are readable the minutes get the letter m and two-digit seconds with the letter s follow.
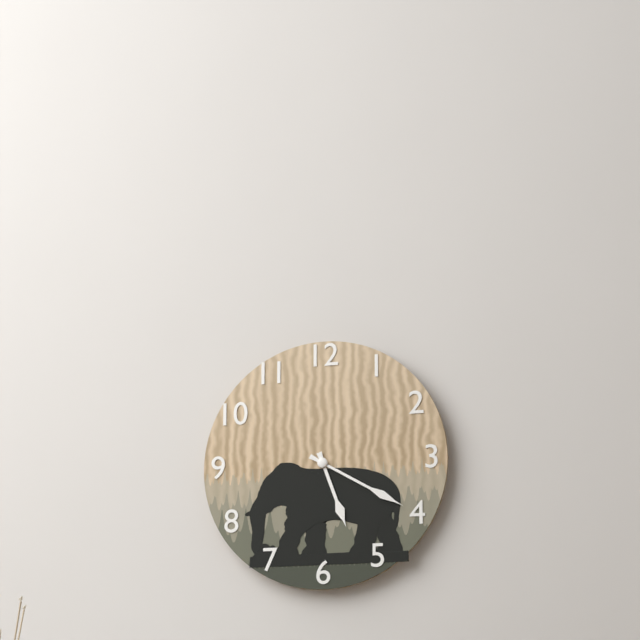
5h20
